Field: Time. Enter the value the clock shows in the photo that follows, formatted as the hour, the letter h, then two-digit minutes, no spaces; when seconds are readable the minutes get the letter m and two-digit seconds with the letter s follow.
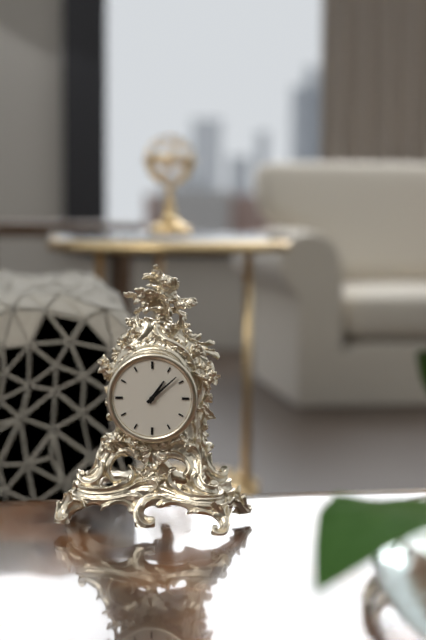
1h08
